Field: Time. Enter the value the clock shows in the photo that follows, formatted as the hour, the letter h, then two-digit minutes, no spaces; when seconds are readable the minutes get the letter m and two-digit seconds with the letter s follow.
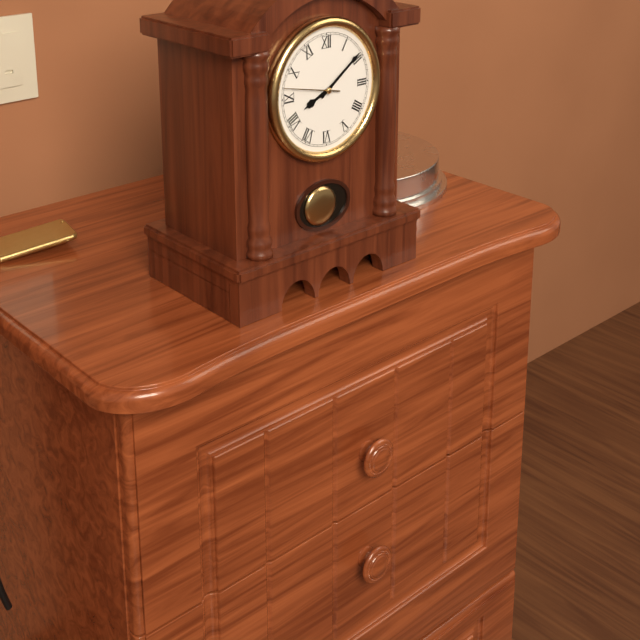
8h09m47s
